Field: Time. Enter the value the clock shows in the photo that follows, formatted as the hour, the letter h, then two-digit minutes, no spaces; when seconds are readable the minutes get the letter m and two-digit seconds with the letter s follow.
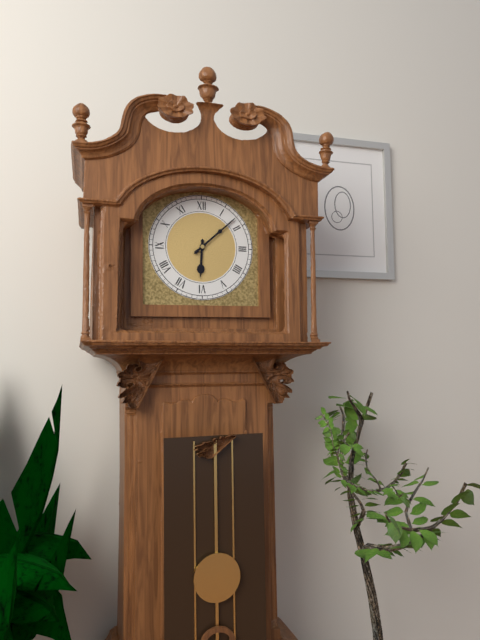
6h08
